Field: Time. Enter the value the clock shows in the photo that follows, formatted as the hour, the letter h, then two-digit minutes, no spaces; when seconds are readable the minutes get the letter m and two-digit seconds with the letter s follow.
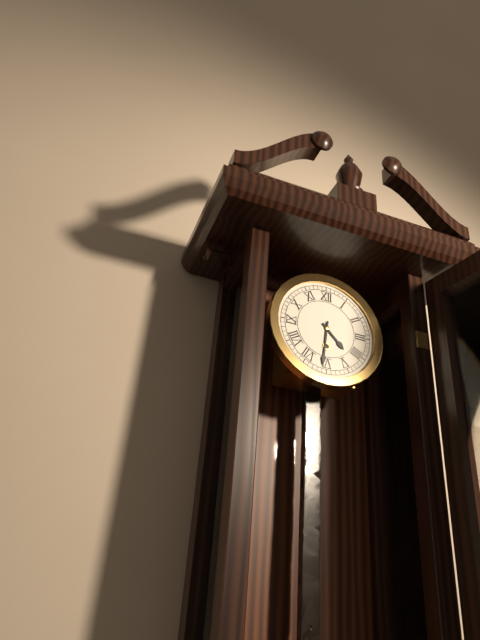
4h31
